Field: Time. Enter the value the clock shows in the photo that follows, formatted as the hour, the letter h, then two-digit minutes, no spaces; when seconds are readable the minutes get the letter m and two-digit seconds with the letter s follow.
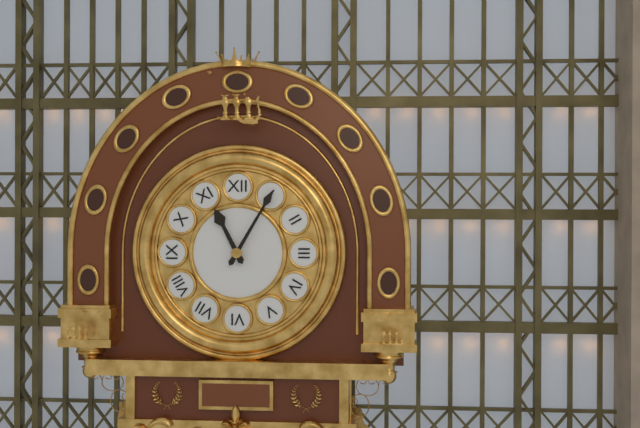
11h05
